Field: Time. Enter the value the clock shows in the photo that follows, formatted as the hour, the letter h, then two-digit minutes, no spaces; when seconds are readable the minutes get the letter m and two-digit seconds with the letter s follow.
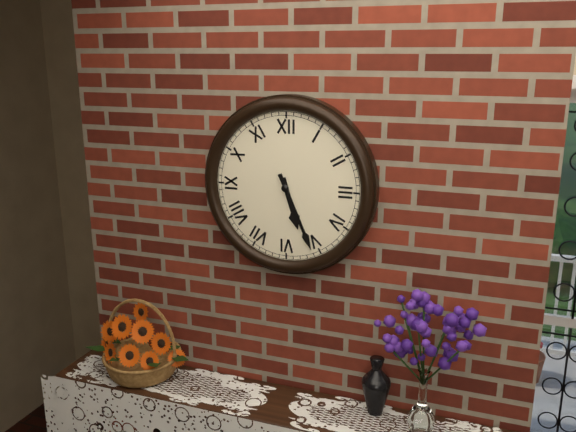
5h26
